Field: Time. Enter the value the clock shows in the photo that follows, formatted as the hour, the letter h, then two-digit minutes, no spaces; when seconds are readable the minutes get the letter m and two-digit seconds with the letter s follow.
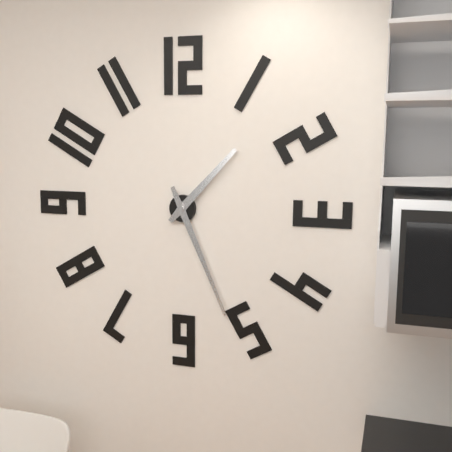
1h26
